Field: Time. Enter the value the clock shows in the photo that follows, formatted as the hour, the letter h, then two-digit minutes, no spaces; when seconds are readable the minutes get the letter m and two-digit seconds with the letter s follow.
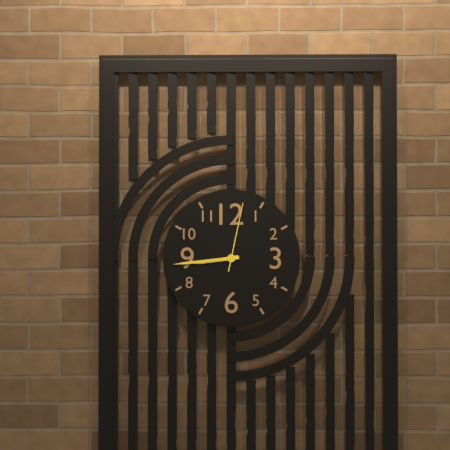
8h44m02s
